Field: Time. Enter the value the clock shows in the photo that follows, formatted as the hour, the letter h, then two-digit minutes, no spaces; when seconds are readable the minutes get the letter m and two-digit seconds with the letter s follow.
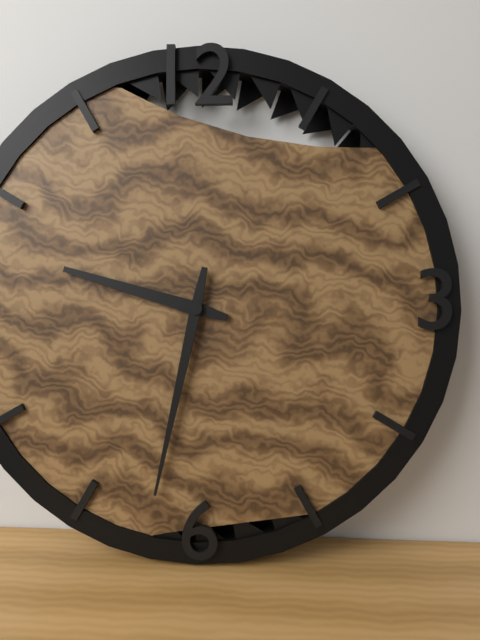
9h32
